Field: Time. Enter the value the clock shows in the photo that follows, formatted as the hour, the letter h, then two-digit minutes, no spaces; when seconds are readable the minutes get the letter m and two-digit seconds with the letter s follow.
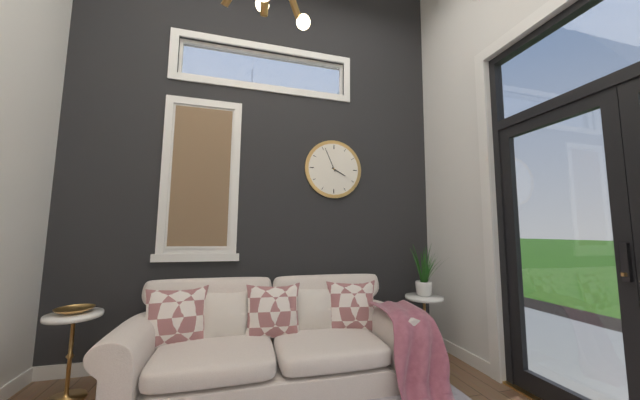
3h56
